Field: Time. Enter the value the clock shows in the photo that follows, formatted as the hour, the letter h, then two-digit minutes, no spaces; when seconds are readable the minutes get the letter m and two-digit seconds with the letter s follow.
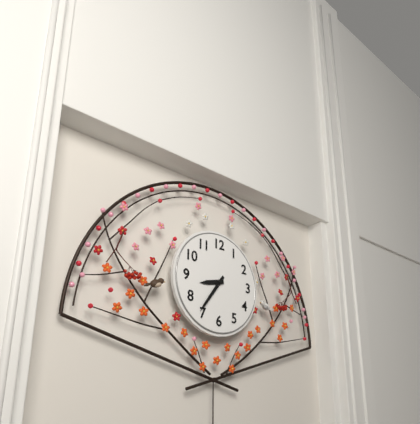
8h36
